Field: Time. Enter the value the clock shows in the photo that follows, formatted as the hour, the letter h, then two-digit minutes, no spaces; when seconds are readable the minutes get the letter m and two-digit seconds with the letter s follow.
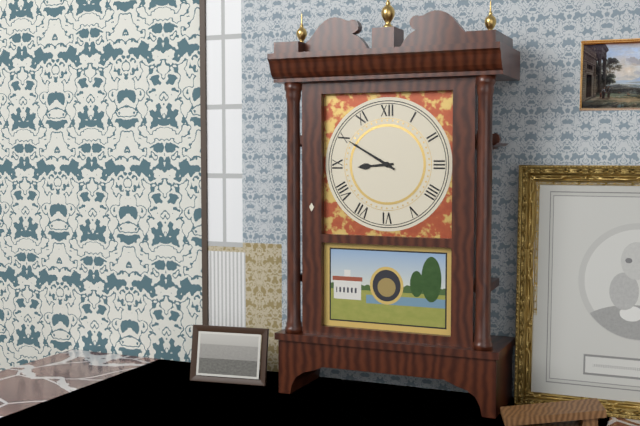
8h50
